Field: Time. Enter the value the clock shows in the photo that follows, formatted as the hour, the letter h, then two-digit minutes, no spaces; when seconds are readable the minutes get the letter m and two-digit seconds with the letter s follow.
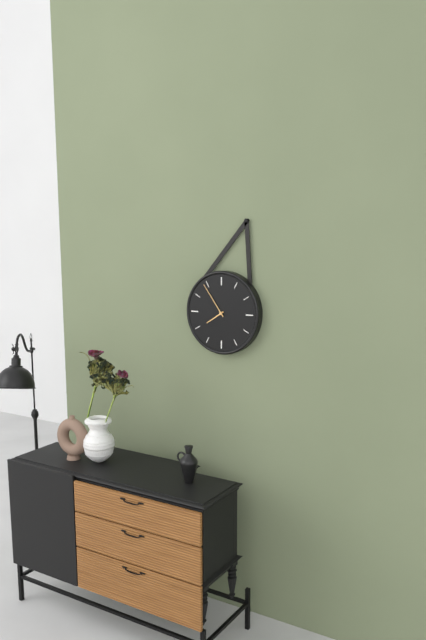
7h54
